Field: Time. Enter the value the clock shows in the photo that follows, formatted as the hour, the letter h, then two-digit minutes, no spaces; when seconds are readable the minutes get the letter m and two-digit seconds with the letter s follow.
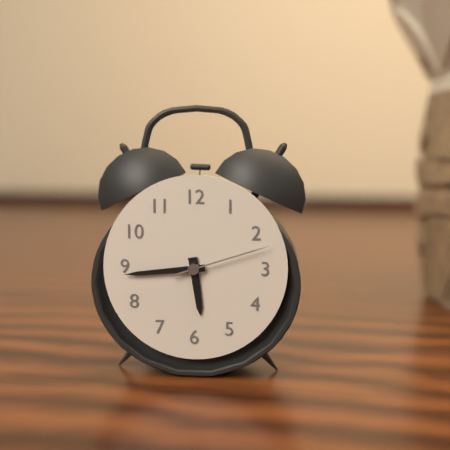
5h44m12s
